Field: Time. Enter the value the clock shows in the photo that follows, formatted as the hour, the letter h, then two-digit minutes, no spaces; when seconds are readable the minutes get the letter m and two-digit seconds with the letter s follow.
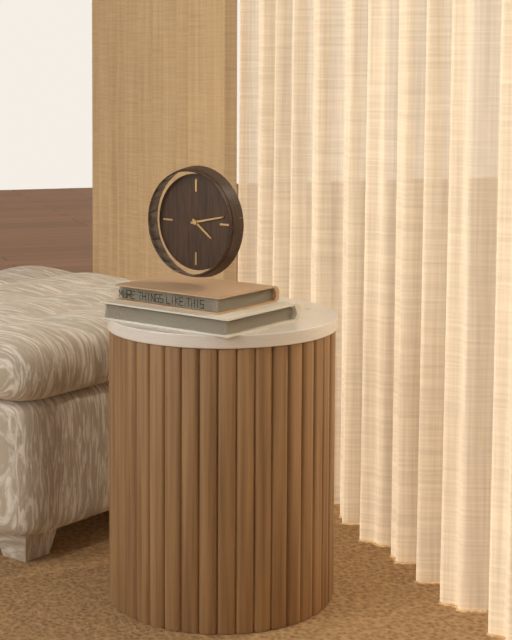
4h13
